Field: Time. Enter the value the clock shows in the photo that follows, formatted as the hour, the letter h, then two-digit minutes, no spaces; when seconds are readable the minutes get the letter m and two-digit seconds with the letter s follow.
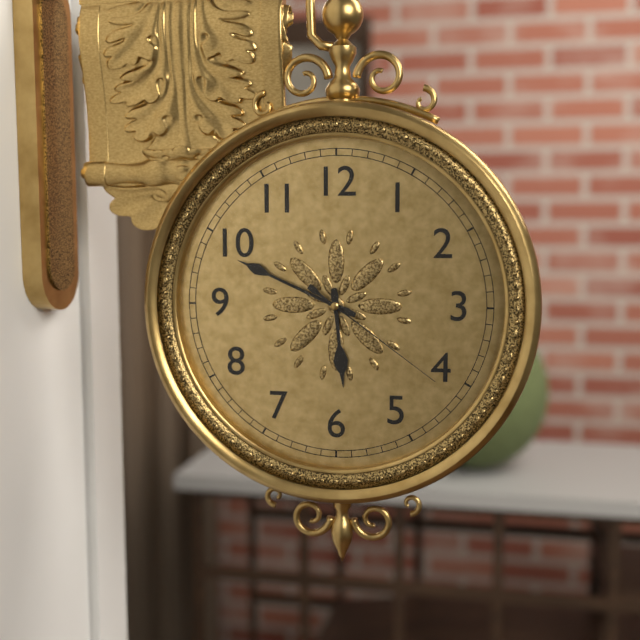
5h49m21s
